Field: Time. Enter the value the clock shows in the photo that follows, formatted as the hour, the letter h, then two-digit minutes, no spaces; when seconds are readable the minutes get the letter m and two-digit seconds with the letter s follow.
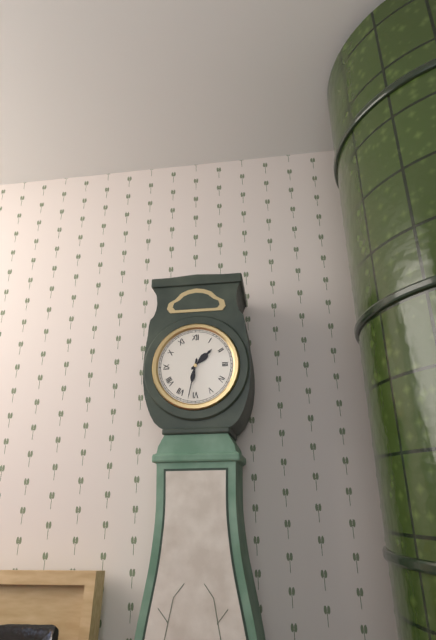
1h32
